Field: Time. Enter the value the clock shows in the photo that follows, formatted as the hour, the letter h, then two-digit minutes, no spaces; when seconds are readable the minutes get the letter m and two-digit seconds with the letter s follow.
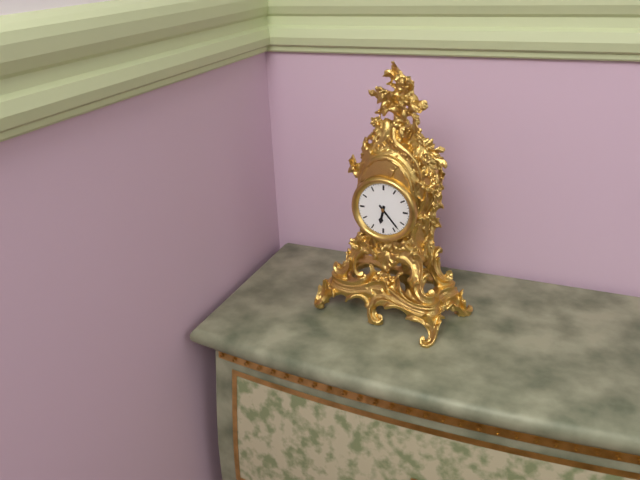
6h23
